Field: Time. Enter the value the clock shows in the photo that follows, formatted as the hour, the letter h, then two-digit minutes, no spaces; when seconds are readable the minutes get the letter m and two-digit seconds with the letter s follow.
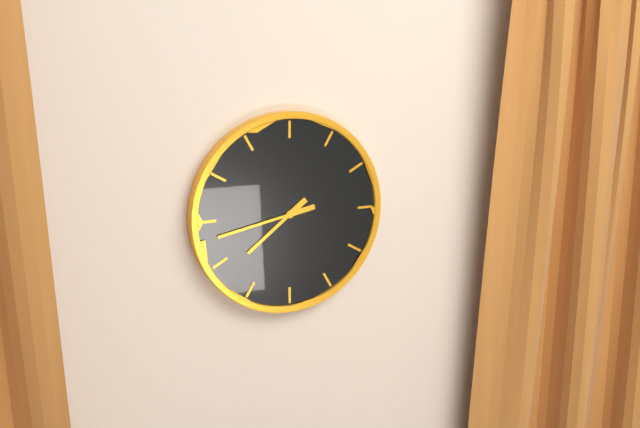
7h43
